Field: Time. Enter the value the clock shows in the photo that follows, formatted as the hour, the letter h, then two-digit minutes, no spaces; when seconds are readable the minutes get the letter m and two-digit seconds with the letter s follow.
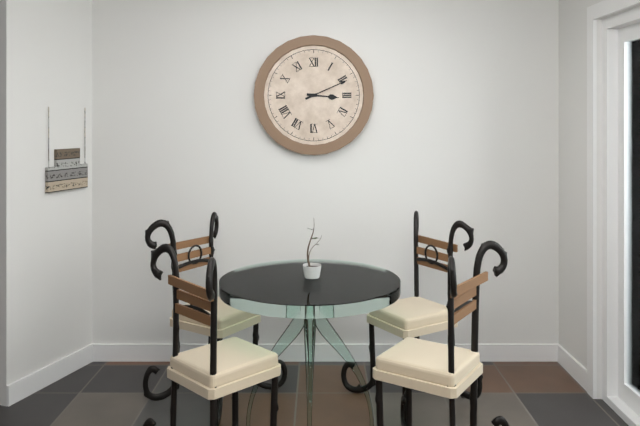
3h11
